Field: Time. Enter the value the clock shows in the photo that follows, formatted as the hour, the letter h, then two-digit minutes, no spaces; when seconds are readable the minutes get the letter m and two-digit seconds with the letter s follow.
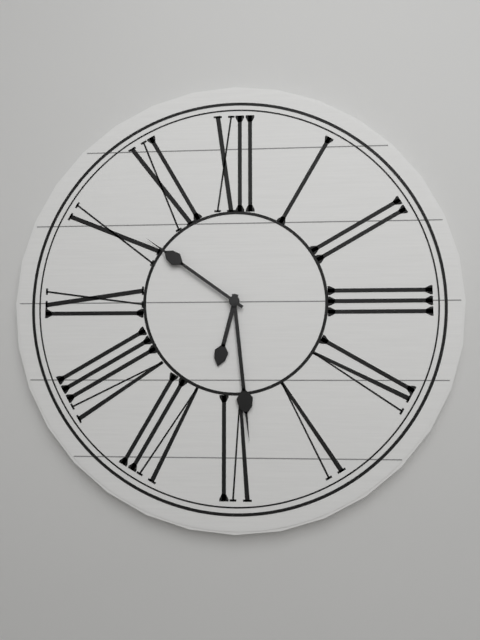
6h29m51s
